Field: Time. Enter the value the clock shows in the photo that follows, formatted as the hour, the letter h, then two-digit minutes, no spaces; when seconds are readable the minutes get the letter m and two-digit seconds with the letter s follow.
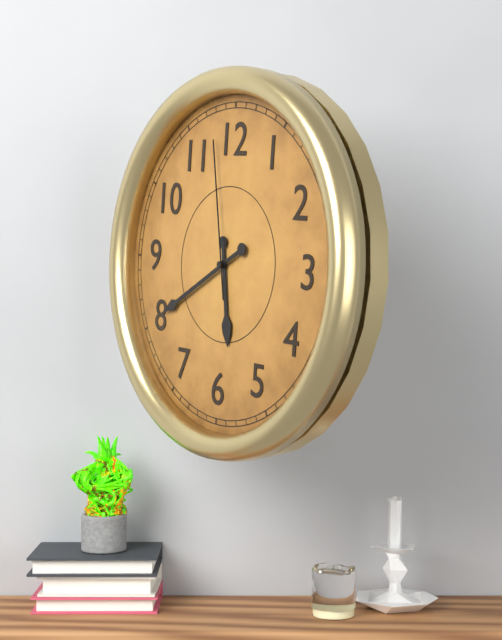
5h40m58s
